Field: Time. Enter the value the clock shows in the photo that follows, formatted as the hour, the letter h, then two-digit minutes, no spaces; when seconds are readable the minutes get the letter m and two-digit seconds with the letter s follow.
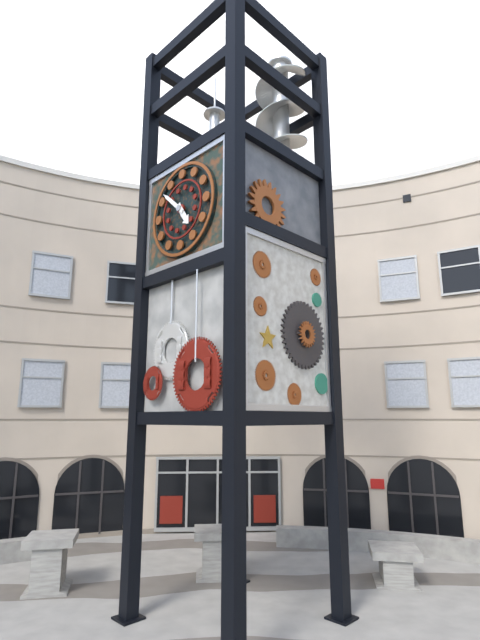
4h52
